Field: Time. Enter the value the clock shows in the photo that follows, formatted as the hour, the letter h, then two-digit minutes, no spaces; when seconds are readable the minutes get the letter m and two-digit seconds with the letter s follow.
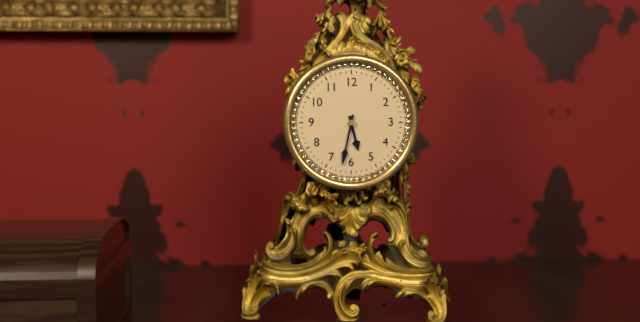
5h32
